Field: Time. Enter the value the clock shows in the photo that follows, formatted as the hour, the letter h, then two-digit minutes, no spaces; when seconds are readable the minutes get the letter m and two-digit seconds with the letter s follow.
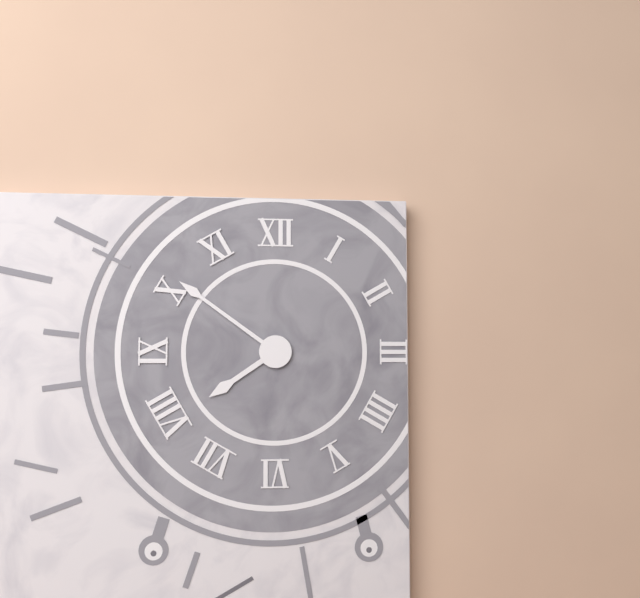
7h51
